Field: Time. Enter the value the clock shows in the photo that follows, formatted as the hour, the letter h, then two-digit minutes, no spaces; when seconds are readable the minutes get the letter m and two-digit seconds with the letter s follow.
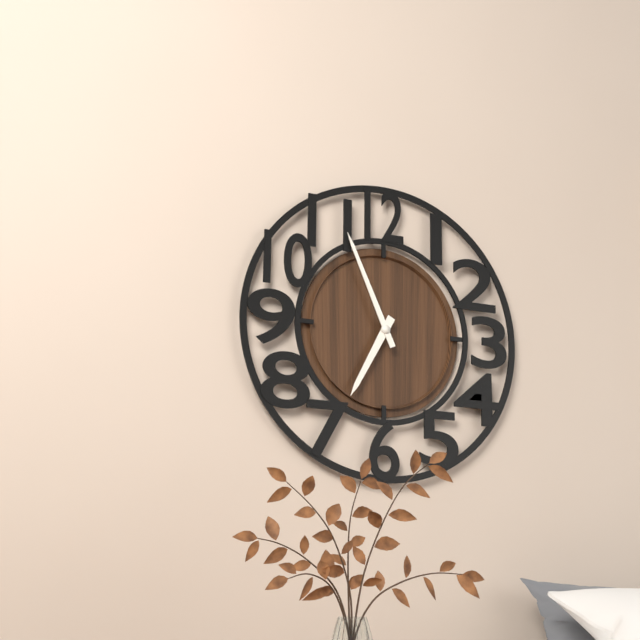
6h56
